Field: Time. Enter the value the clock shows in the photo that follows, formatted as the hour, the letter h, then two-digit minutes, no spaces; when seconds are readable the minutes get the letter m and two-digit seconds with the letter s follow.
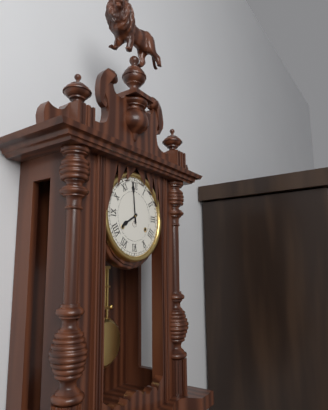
7h59
